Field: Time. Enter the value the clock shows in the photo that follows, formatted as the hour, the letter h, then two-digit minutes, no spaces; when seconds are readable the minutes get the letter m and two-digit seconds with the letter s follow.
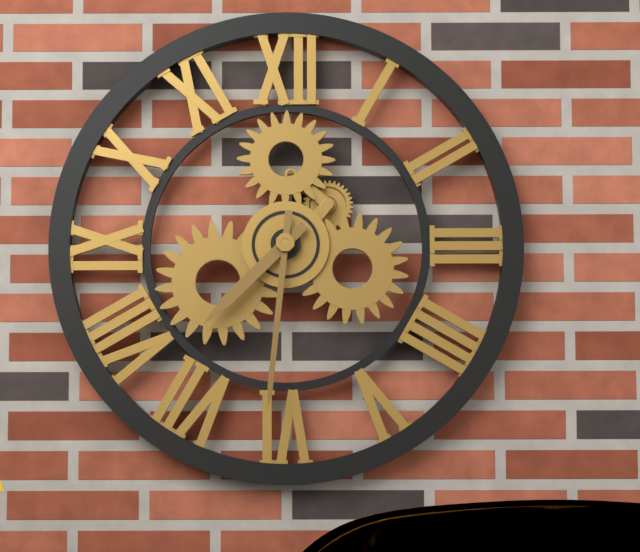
7h31
